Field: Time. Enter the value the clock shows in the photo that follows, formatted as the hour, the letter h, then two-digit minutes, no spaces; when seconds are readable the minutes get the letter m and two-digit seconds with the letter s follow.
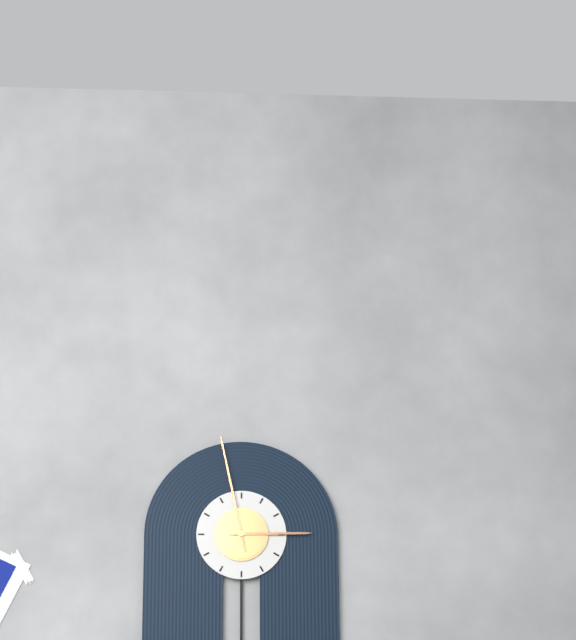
2h58
